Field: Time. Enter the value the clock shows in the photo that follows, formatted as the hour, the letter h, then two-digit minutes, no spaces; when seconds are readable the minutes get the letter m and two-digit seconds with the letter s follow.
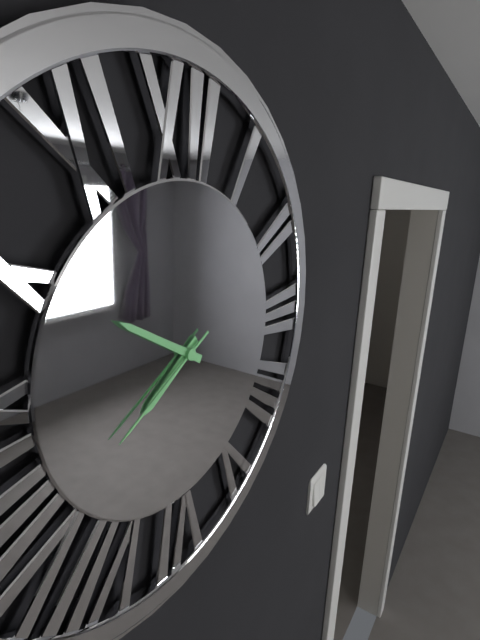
7h50m40s
